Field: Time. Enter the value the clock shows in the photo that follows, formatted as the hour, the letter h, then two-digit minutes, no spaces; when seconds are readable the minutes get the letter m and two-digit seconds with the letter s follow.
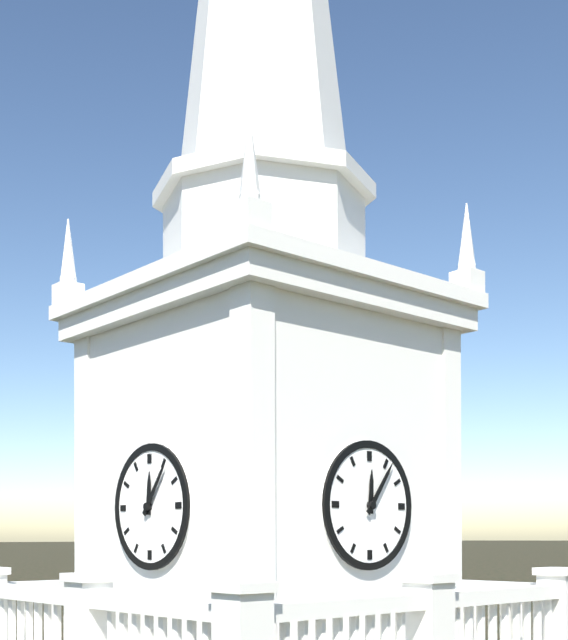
12h06
